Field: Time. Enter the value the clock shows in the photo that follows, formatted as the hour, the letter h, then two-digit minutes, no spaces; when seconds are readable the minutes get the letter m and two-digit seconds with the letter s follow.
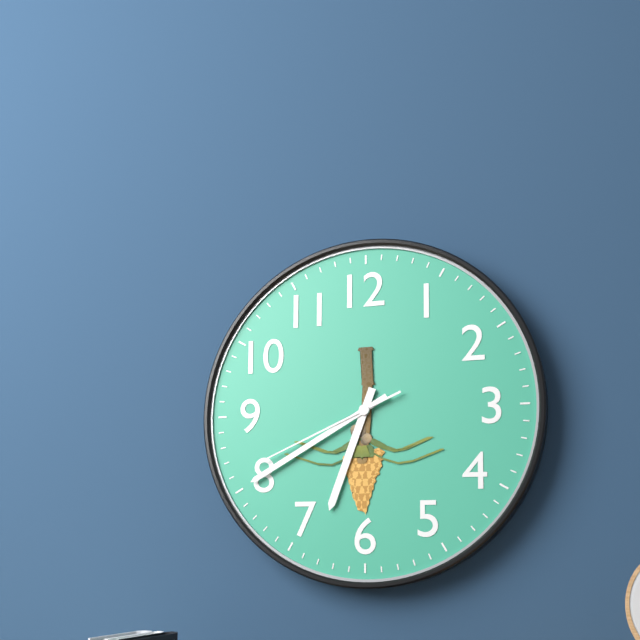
6h40m41s
